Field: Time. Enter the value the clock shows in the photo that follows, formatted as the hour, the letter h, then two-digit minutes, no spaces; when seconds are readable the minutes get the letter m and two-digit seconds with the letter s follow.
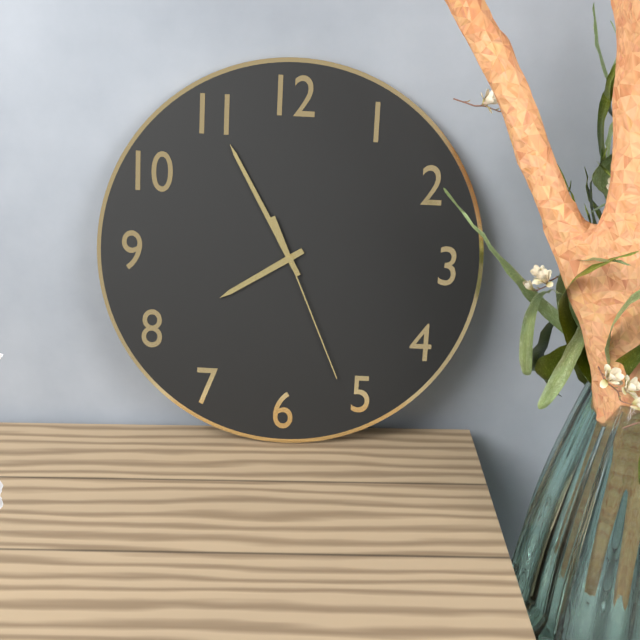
7h55m26s
